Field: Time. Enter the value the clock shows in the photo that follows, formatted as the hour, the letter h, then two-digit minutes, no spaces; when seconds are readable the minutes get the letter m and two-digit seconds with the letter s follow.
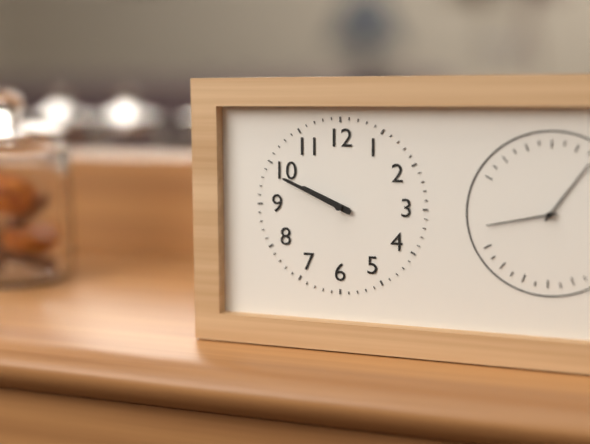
9h49
